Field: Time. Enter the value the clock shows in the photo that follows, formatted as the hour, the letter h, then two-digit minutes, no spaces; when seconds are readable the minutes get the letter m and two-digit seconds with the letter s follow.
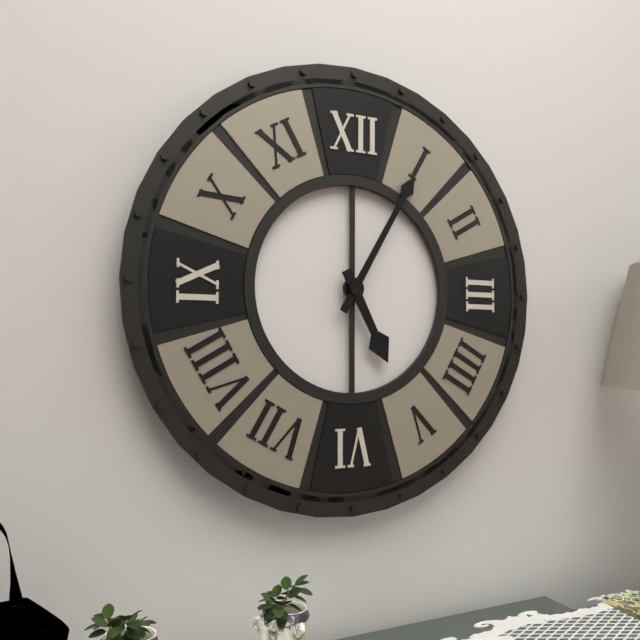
5h05
